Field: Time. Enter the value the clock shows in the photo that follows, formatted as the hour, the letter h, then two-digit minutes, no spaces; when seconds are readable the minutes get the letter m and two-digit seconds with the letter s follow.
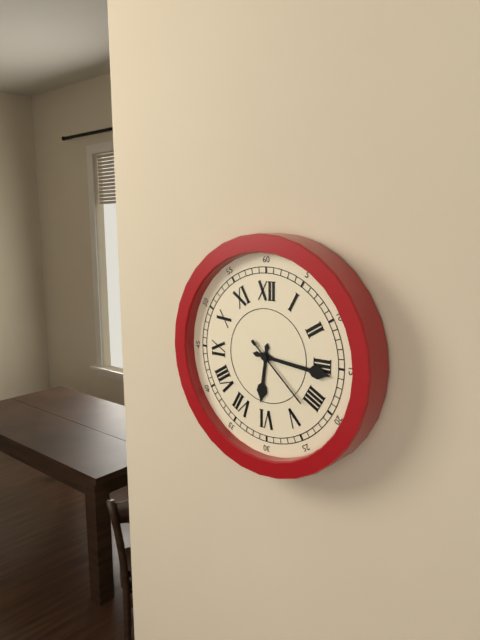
6h16m22s
